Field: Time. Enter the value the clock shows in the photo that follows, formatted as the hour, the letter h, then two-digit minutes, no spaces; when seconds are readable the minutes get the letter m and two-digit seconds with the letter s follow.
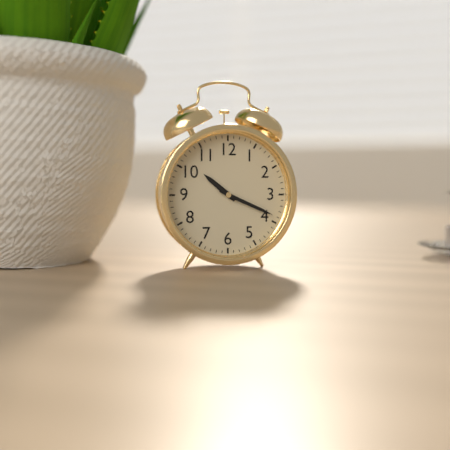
10h19
